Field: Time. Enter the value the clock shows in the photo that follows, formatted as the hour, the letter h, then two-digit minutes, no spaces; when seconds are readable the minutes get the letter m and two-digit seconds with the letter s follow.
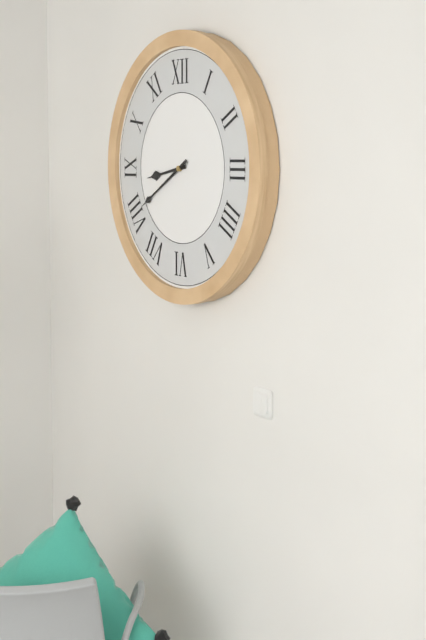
8h40
